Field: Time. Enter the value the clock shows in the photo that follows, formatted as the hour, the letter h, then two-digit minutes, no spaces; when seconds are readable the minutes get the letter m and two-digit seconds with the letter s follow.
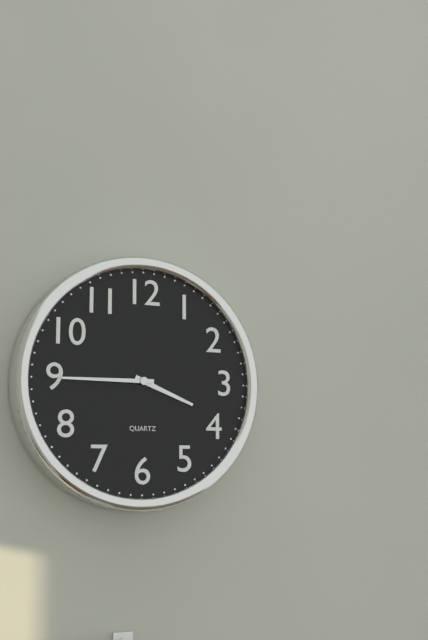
3h45
